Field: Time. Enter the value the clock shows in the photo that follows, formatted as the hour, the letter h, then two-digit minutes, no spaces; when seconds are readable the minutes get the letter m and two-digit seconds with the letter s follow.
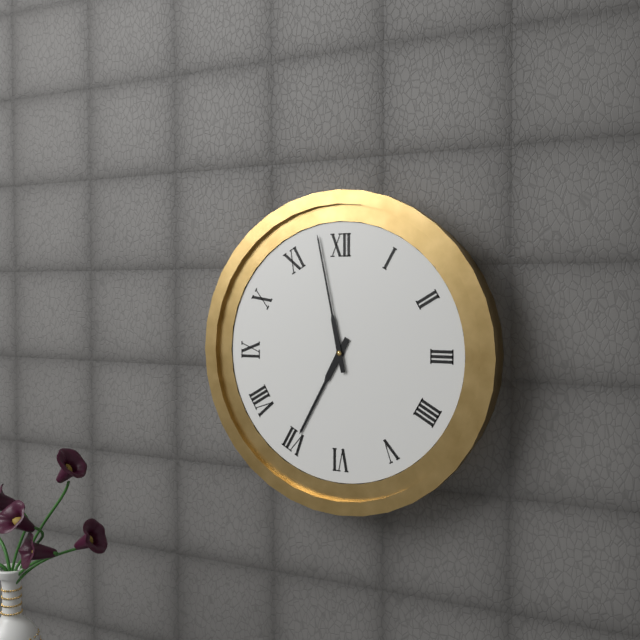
6h58
